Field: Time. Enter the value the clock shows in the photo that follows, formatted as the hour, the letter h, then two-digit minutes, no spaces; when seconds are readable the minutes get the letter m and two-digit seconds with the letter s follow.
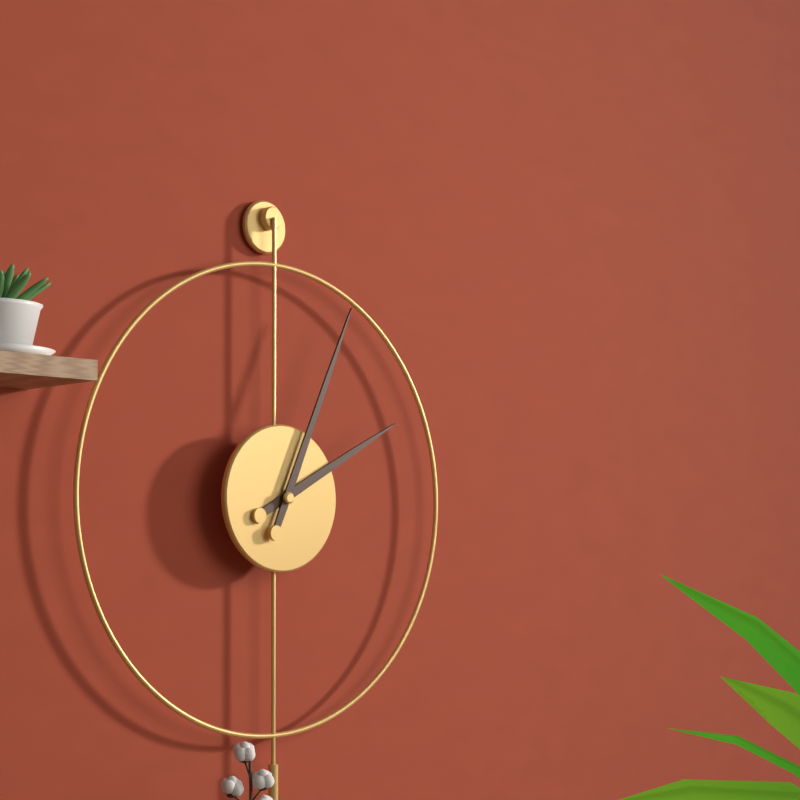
2h04
